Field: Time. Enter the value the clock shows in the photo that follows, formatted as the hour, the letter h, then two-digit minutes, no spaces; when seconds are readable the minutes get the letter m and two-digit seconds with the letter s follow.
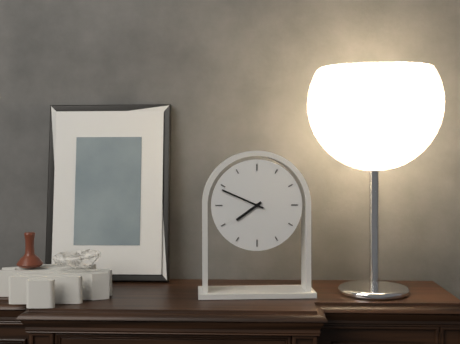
7h49
